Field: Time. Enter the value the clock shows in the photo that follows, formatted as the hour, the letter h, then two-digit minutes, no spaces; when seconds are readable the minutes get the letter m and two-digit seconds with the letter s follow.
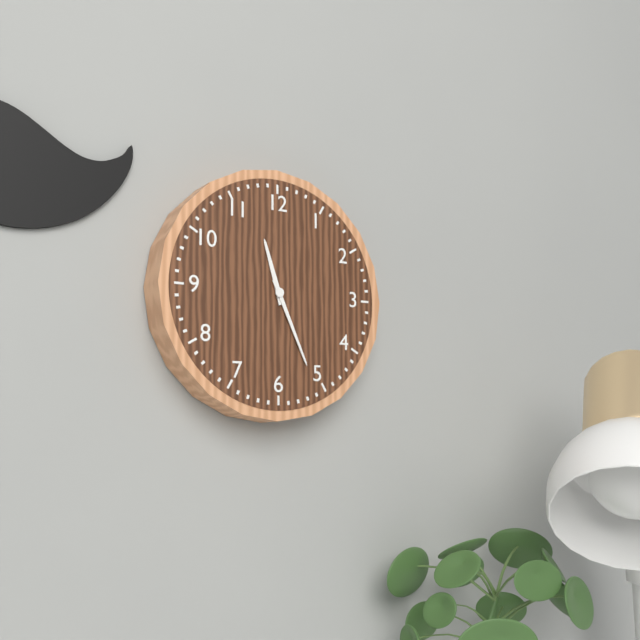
11h26
